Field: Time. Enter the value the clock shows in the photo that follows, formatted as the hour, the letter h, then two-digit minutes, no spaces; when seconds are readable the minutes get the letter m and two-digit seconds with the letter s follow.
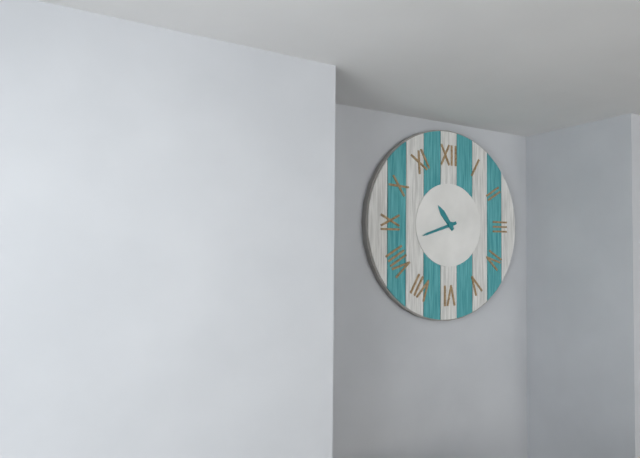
10h42
